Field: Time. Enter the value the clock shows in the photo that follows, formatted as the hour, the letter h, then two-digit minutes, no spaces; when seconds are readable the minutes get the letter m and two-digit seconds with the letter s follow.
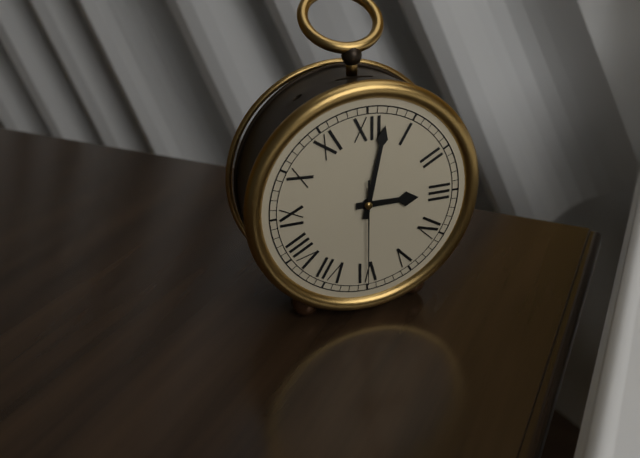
3h02m30s
